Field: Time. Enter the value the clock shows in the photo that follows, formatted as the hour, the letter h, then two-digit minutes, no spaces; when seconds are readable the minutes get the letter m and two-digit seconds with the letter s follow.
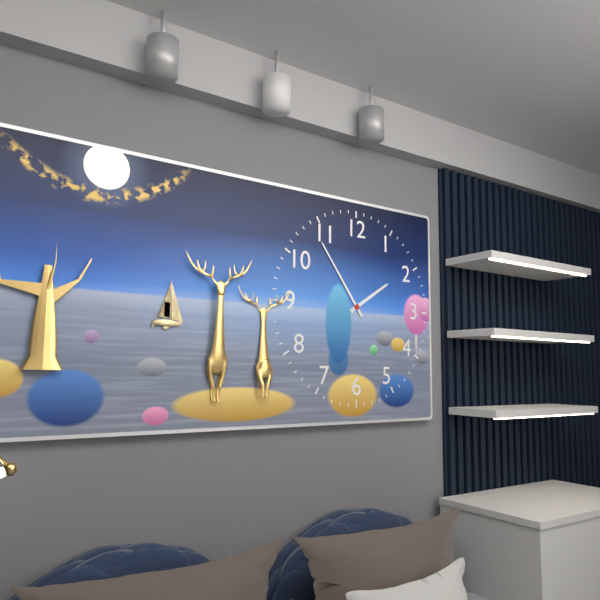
1h54
